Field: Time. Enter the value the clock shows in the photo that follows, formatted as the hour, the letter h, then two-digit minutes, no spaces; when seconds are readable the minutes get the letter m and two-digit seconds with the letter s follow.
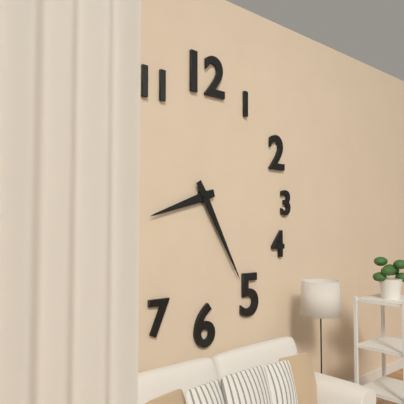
8h25
